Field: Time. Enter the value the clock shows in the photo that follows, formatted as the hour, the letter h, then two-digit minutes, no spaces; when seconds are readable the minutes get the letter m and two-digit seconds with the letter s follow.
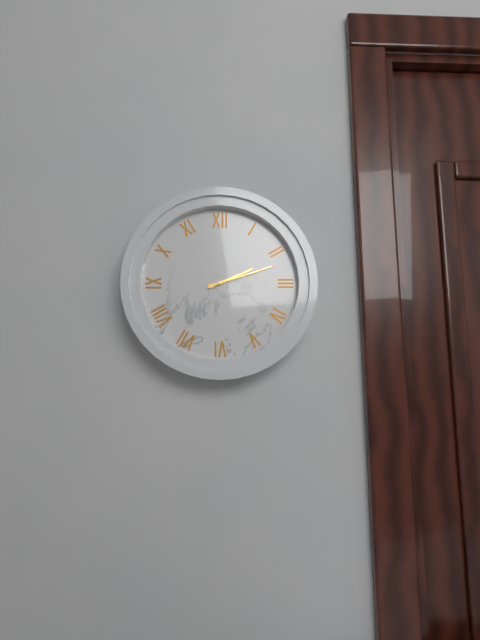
2h12
